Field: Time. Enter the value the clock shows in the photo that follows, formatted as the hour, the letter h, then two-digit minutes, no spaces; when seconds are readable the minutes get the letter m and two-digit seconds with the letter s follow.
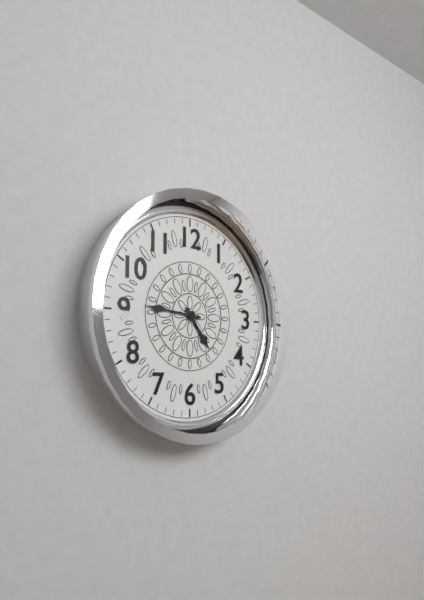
4h46
